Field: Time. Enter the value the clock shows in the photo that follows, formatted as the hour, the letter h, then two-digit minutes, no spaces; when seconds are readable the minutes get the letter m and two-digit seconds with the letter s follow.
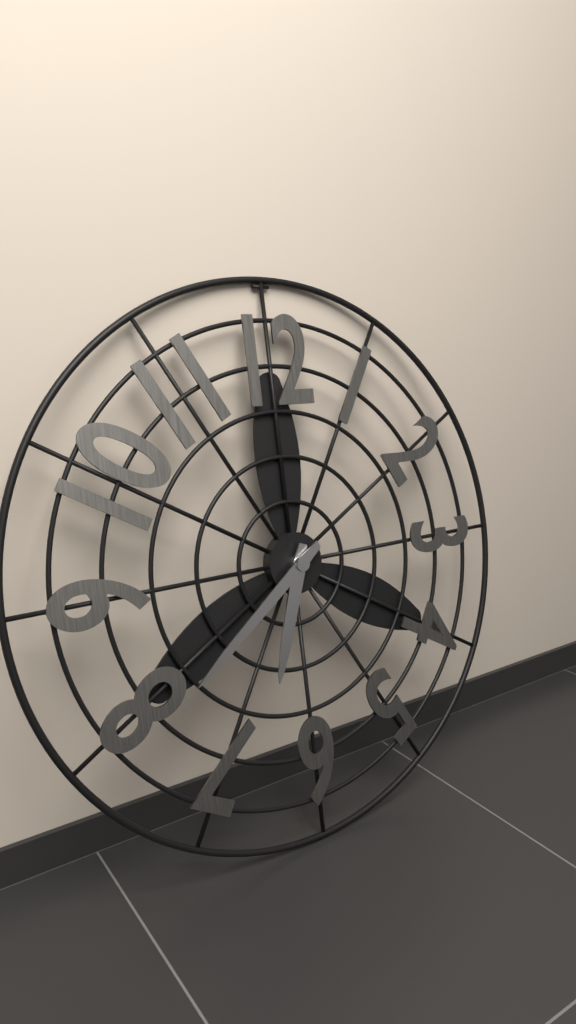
6h39
